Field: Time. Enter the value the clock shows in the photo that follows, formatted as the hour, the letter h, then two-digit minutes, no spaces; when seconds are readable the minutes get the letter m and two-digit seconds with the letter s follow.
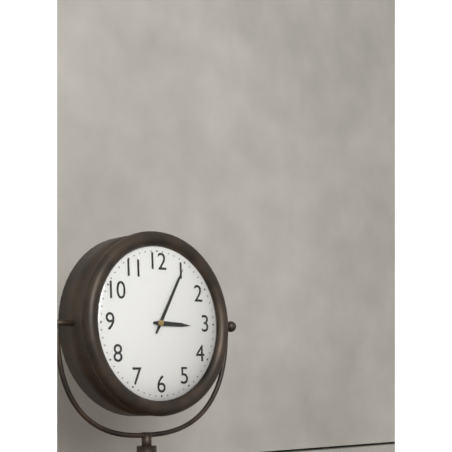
3h05
